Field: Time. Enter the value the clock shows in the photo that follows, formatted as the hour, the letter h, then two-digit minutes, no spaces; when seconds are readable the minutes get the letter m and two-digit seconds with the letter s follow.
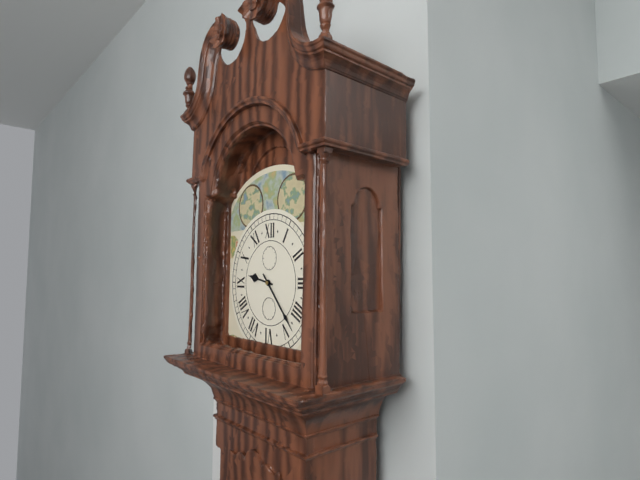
9h23
